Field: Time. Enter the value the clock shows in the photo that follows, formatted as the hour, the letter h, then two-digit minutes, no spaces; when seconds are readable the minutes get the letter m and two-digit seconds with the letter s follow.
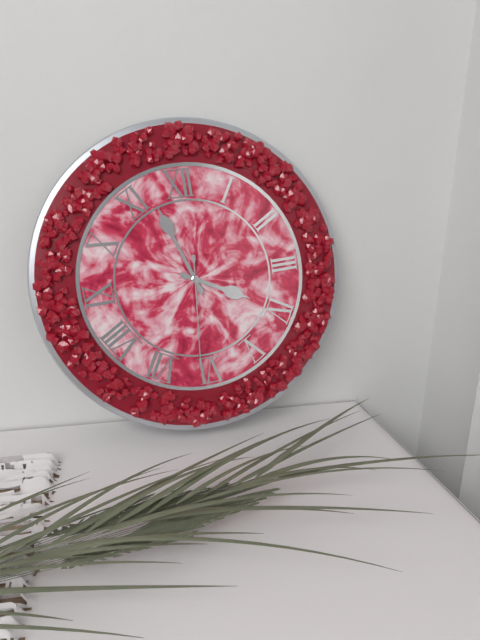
3h57m31s
